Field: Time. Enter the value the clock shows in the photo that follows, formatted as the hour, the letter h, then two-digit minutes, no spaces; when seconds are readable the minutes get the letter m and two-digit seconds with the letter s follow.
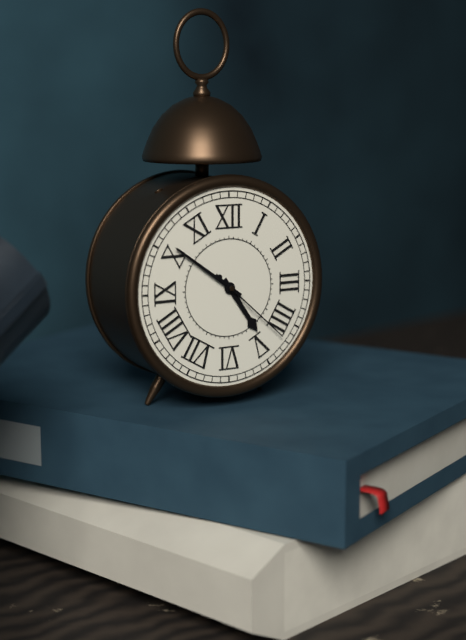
4h51m22s
